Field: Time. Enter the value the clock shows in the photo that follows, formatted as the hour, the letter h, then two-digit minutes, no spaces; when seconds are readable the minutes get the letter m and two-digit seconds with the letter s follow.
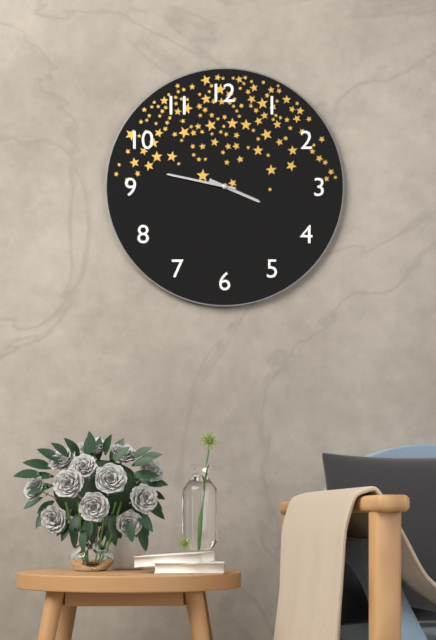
3h47
